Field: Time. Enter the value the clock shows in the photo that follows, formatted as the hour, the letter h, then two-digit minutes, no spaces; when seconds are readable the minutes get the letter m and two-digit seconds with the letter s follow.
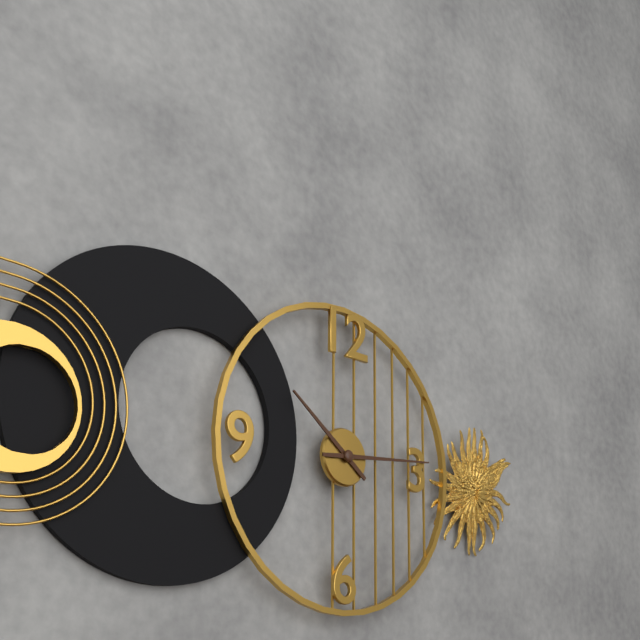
10h14
